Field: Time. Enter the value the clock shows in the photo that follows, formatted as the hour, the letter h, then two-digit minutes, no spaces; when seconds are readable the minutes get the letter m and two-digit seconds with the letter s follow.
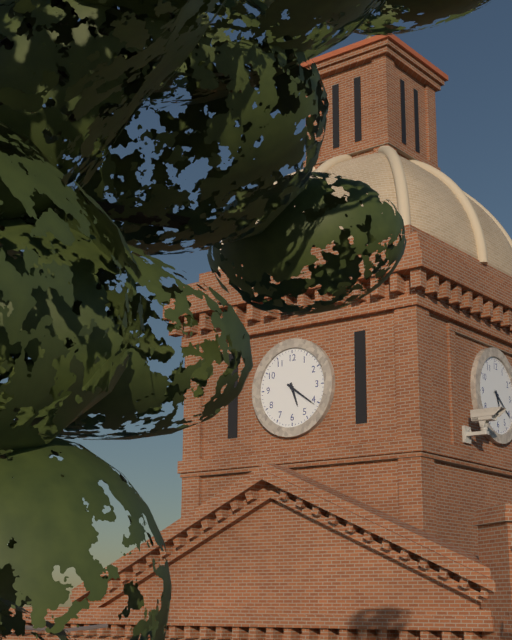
5h21
